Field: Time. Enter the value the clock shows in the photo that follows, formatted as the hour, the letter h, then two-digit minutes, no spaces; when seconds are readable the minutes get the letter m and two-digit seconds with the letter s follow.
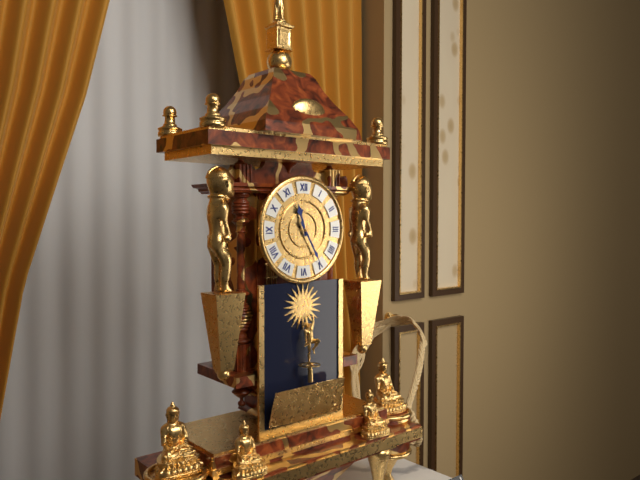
11h25
